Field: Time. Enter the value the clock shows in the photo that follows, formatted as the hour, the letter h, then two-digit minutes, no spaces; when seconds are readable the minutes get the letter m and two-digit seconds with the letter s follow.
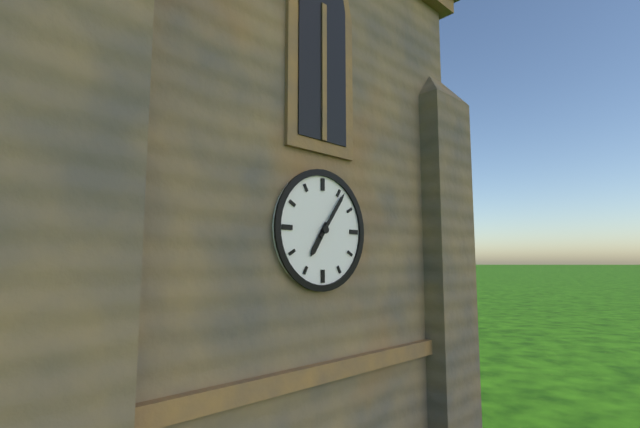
7h06
